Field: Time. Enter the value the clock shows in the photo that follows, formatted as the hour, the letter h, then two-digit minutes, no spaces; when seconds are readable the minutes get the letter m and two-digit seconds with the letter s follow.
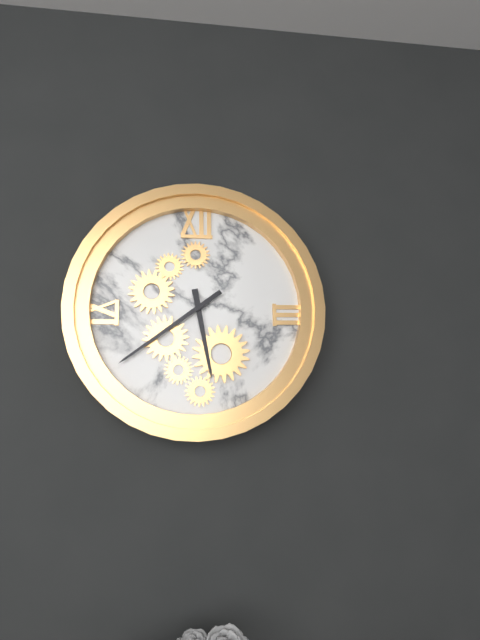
5h39
